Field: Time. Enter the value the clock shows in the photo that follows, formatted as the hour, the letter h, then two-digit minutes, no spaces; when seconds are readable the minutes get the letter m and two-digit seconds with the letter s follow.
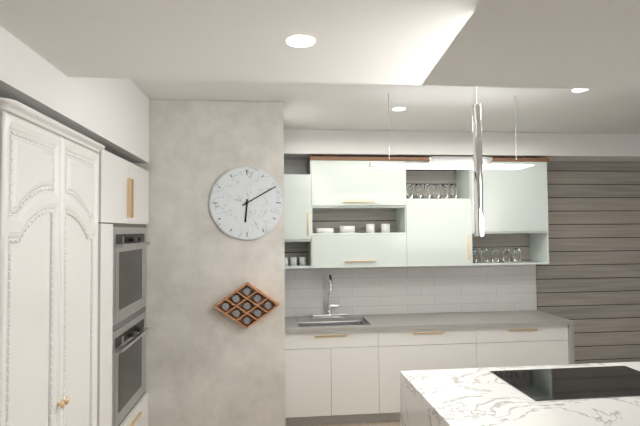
6h10
